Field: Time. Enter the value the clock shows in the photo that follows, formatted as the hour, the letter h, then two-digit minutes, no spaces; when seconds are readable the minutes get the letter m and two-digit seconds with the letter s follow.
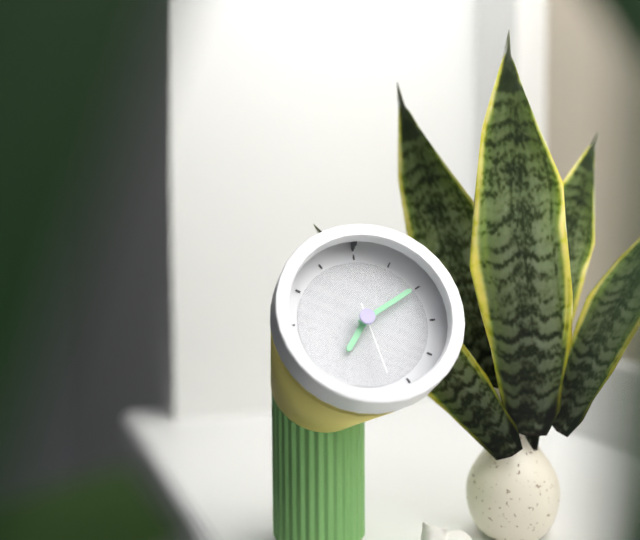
7h10m28s
